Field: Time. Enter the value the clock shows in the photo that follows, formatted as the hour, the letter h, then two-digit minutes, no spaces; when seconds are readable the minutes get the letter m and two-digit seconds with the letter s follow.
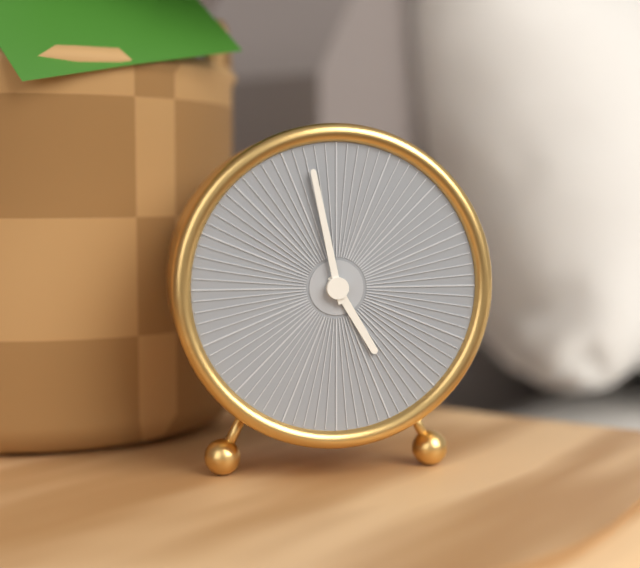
4h58
